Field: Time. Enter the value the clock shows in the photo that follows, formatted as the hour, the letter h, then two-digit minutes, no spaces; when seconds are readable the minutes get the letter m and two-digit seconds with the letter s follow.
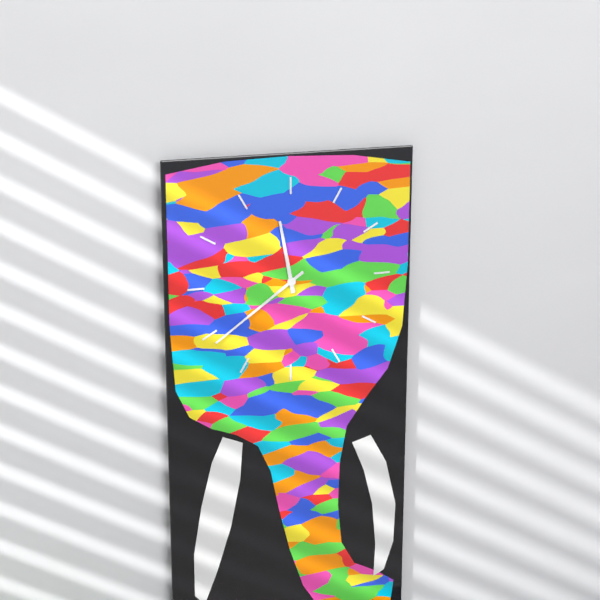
11h39
